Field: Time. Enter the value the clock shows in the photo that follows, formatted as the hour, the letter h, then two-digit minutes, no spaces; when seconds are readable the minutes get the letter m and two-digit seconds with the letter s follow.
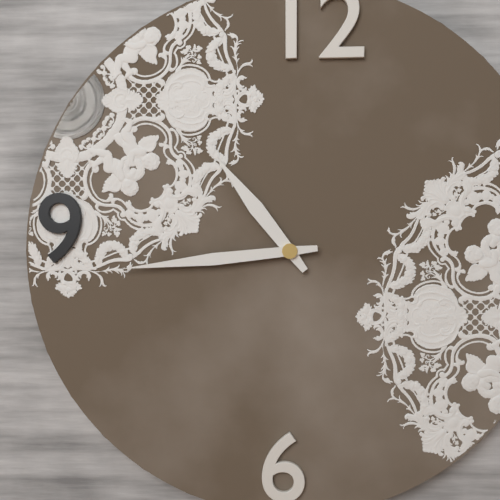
10h44
